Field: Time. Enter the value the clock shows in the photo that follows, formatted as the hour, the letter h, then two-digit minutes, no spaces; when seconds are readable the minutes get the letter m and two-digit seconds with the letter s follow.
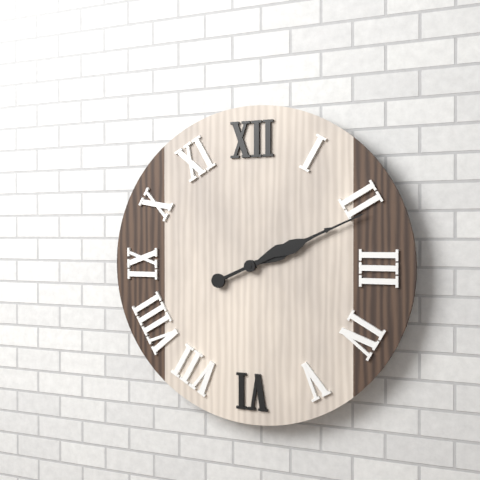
2h11
